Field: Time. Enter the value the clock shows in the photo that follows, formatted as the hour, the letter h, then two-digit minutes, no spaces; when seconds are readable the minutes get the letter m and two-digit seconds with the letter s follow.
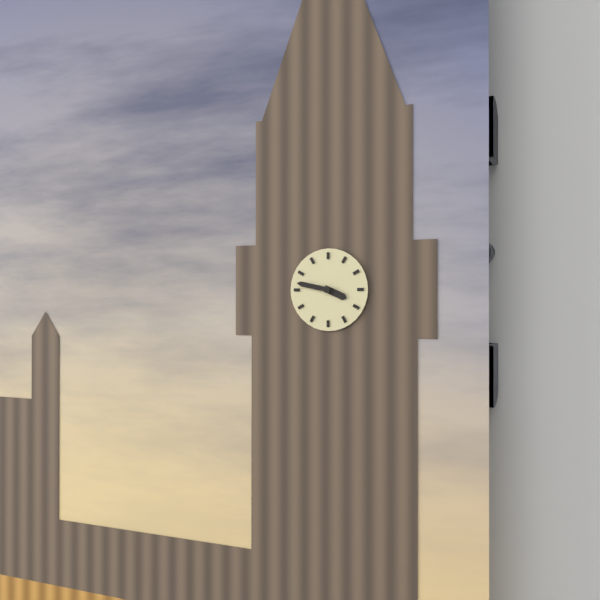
3h47
